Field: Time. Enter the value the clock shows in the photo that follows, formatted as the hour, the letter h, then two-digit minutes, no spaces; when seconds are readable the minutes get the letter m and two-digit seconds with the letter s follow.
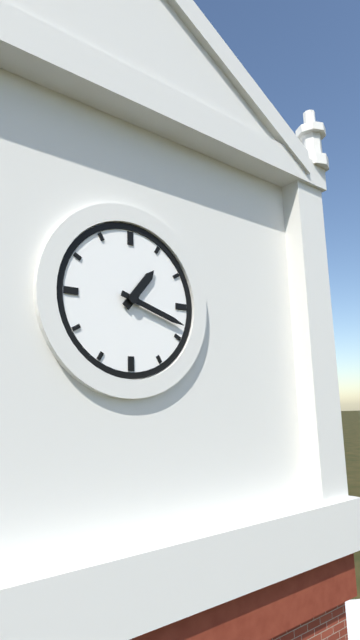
1h18
